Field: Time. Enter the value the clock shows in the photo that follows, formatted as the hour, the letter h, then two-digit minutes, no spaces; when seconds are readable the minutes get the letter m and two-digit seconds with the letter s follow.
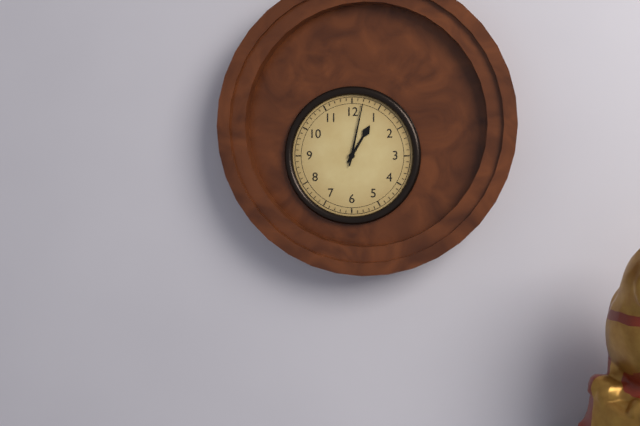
1h02
